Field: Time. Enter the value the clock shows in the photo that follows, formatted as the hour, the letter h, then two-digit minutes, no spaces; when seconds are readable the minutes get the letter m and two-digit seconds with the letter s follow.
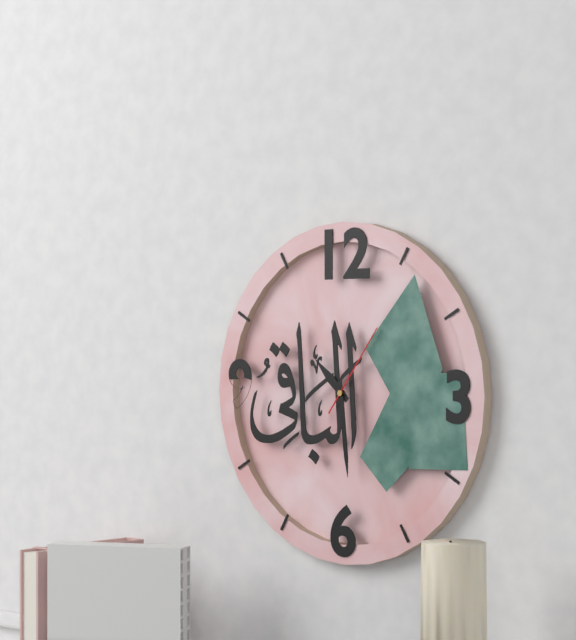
10h29m06s
